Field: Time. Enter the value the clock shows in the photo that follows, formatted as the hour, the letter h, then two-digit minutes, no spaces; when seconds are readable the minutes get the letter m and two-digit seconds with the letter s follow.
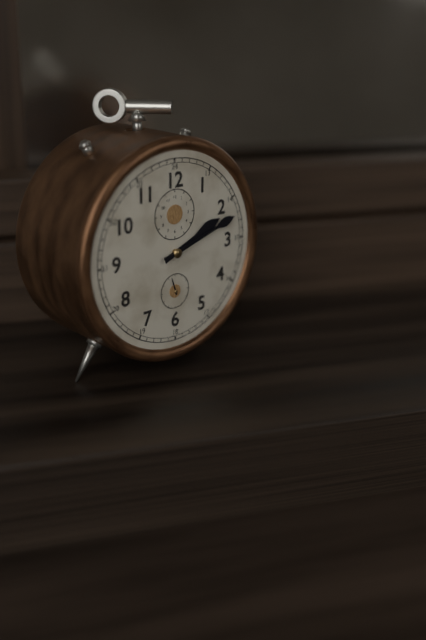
2h12
